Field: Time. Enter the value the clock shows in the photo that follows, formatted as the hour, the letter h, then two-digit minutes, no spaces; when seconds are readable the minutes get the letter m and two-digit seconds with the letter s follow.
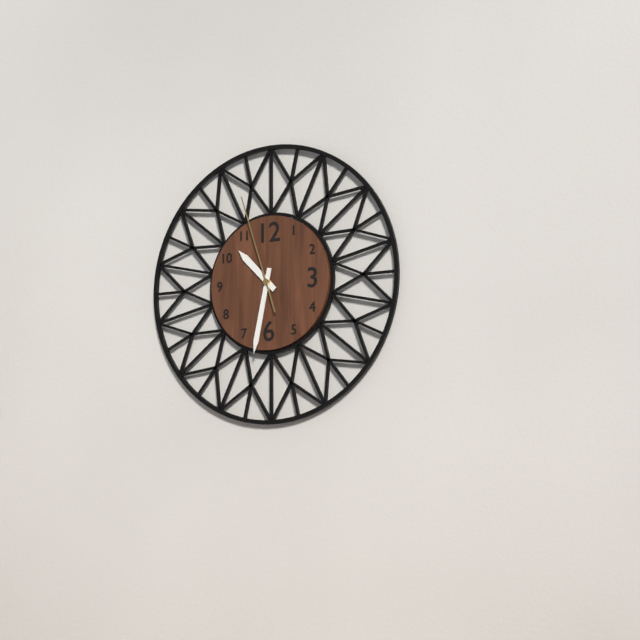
10h32m57s
